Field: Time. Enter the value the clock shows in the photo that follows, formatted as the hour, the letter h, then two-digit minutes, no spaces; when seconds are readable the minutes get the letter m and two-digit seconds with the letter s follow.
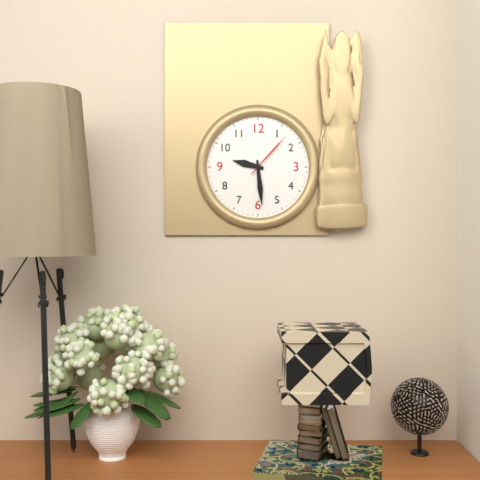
9h29m07s
